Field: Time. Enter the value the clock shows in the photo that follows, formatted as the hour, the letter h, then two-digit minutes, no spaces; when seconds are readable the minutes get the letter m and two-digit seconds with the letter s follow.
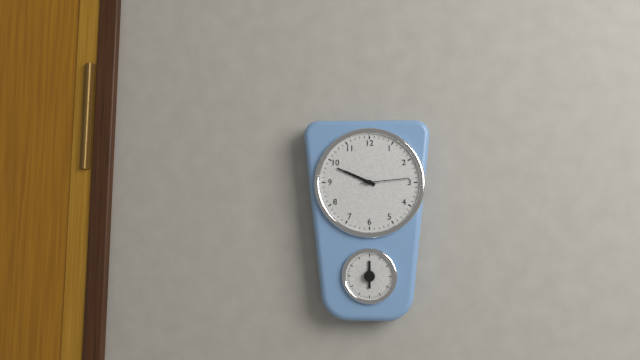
9h49m14s
